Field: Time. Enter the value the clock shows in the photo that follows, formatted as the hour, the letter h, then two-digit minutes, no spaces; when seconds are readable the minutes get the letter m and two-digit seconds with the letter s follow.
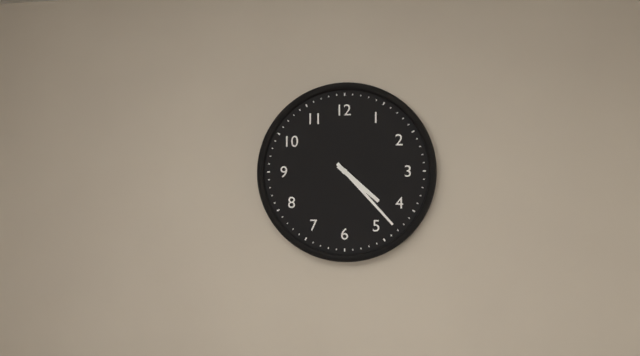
4h23
